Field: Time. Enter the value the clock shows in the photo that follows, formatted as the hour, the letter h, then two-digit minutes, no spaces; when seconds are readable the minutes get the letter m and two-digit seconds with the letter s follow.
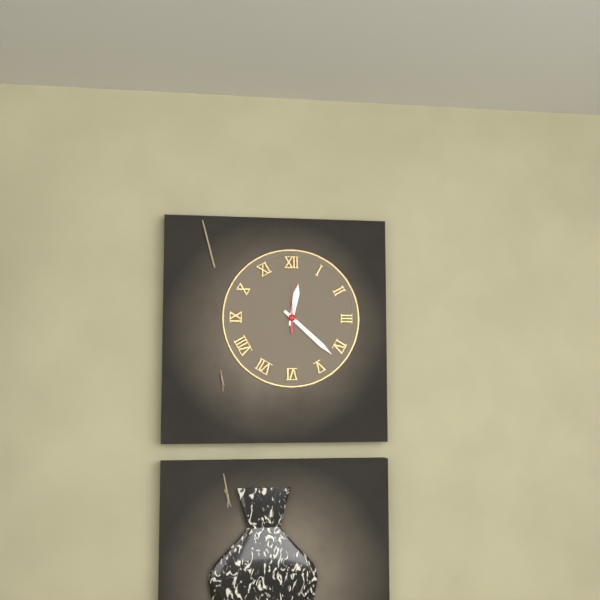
12h22m00s
